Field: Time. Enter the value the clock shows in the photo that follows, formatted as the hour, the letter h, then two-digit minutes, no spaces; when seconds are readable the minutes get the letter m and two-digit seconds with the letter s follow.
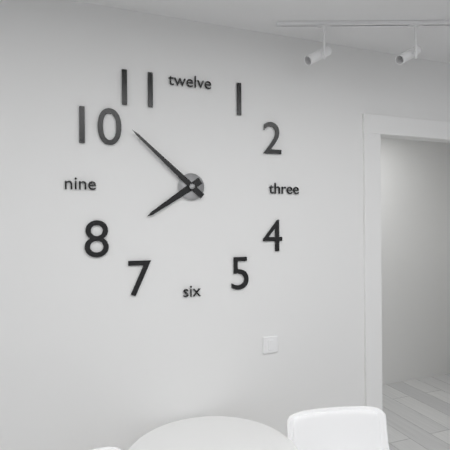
7h52
